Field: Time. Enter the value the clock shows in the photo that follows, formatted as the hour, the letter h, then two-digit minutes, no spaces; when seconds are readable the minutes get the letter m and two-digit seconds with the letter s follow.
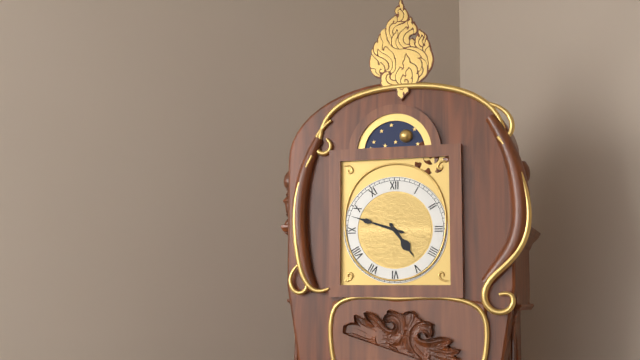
4h48
